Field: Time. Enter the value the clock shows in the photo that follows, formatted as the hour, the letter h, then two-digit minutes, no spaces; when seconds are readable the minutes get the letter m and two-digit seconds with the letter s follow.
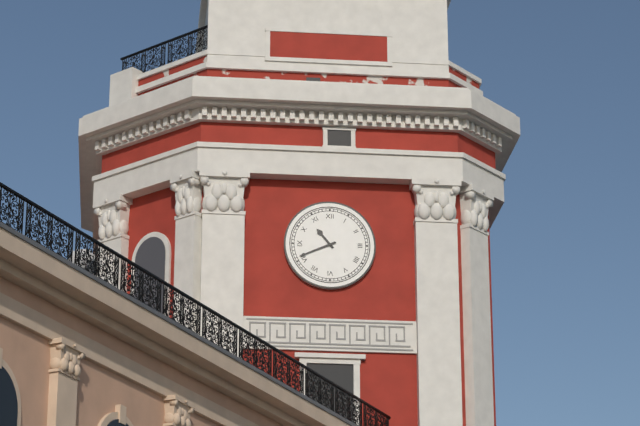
10h41
